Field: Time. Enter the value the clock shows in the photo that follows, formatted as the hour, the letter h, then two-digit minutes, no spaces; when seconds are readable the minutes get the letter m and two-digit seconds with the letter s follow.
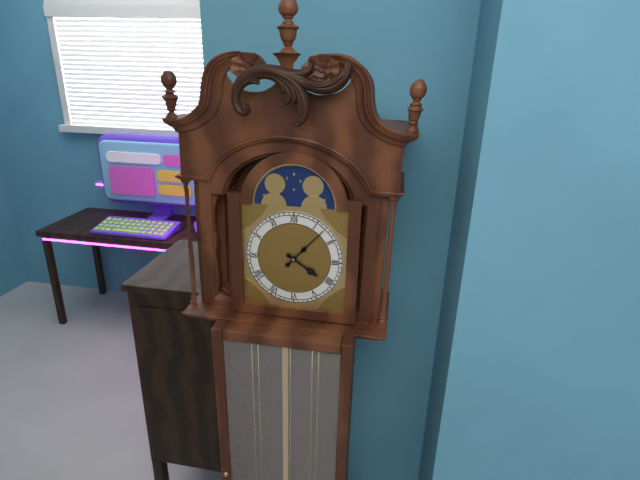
4h07
